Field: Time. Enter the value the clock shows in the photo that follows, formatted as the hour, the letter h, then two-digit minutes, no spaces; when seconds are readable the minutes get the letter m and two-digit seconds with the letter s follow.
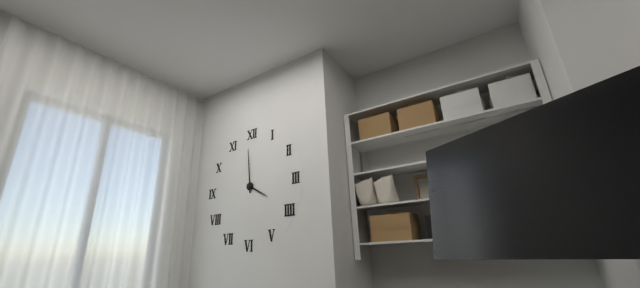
3h59
